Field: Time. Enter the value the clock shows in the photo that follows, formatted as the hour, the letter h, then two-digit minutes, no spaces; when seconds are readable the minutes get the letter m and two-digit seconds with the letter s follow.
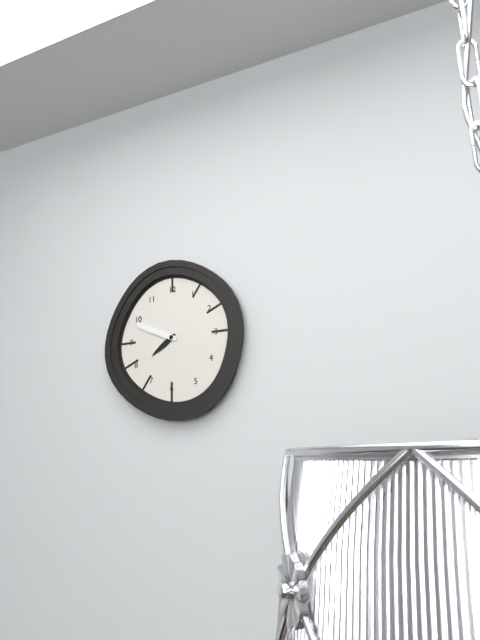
7h49
